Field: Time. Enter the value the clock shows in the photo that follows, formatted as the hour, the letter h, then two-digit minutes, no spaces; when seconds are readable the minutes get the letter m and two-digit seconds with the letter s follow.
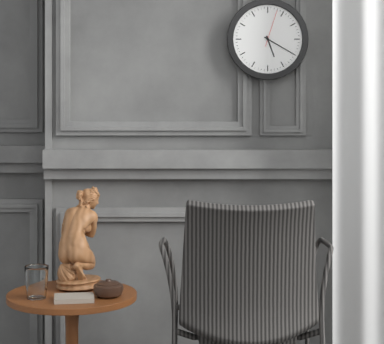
5h20
